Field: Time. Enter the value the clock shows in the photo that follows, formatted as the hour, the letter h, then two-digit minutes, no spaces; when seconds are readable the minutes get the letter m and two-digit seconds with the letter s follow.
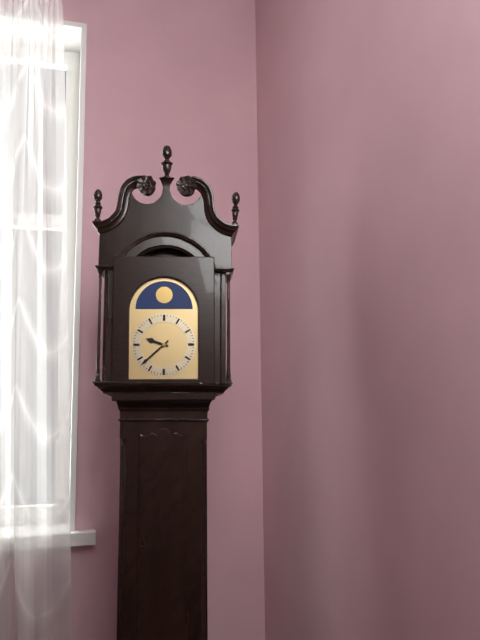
9h38
